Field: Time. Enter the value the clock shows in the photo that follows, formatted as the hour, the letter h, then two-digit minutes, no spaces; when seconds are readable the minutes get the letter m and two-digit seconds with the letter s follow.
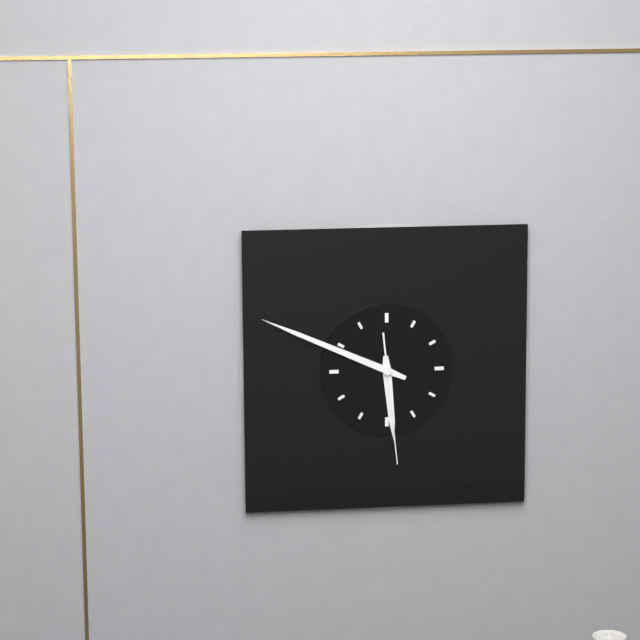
5h49m29s
